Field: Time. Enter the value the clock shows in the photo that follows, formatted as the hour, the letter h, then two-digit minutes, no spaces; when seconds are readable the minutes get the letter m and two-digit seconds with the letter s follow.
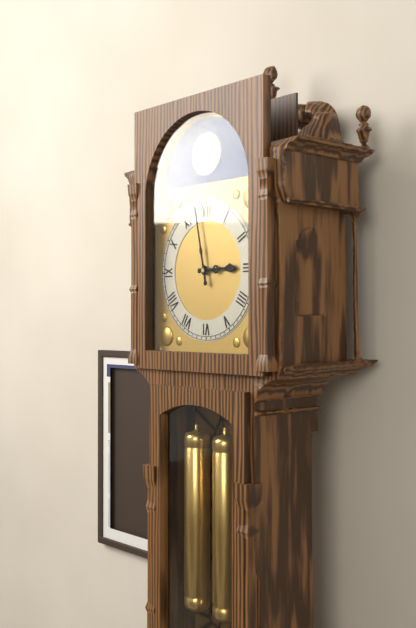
2h58
